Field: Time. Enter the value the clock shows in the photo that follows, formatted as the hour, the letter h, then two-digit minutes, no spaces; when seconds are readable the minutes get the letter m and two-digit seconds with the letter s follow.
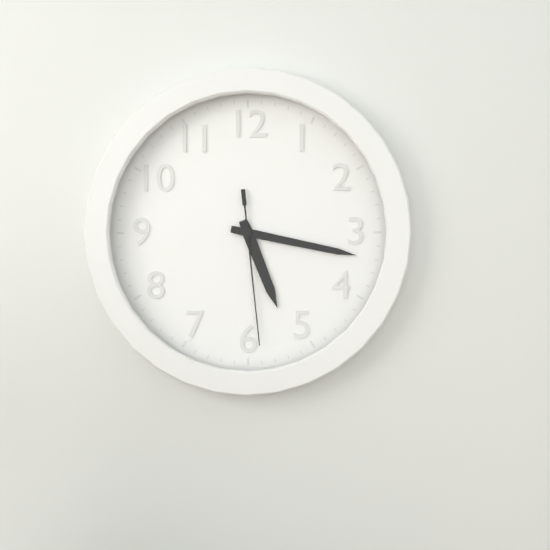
5h17m29s
